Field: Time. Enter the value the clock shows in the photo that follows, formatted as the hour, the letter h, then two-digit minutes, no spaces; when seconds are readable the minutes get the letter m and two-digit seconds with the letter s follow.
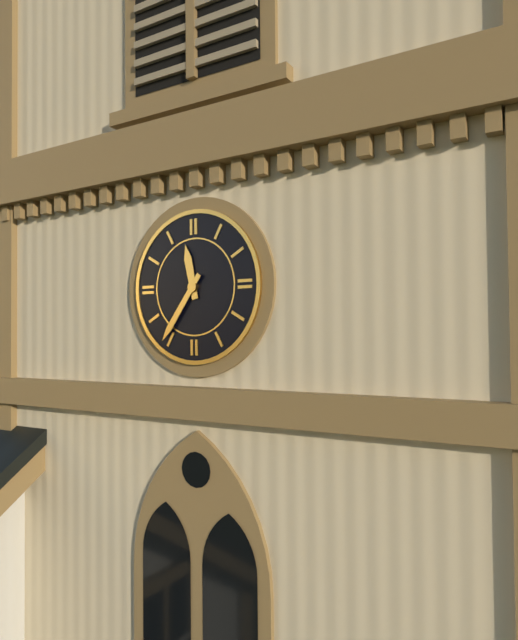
11h36
